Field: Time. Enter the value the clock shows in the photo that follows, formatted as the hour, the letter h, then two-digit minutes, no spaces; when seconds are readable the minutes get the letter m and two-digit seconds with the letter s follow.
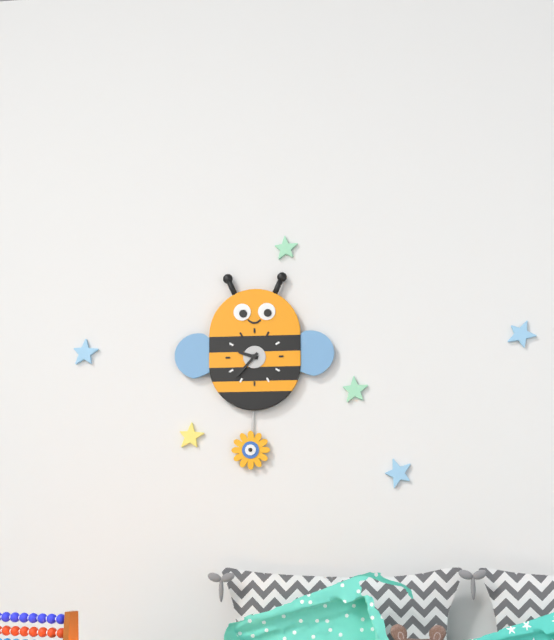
9h37
